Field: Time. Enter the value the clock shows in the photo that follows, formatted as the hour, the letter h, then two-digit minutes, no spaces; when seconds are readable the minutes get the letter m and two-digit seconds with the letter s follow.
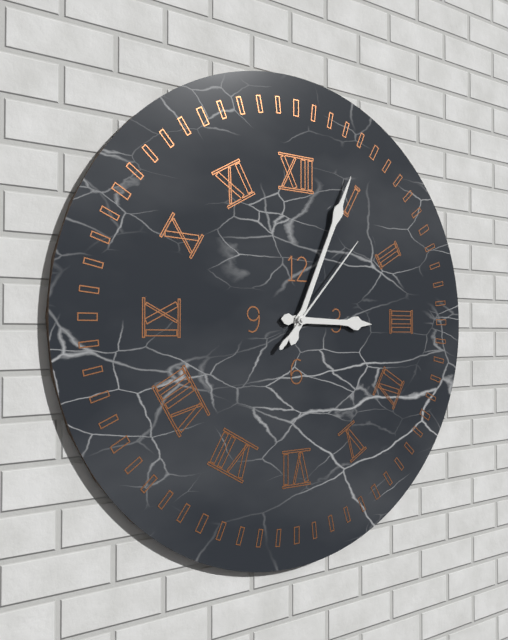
3h04m07s
